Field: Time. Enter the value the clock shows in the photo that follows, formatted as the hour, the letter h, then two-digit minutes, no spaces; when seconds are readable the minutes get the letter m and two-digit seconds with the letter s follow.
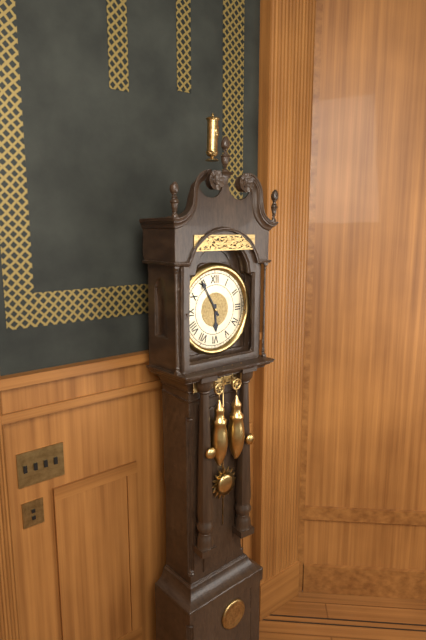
5h55
